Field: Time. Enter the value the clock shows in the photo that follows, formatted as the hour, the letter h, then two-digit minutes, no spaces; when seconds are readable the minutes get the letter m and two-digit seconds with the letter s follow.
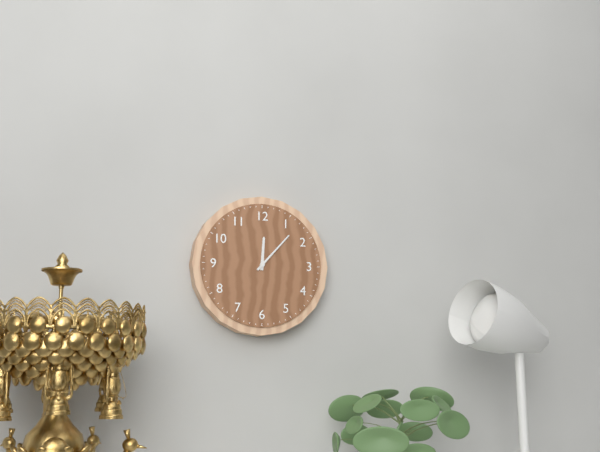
12h07
